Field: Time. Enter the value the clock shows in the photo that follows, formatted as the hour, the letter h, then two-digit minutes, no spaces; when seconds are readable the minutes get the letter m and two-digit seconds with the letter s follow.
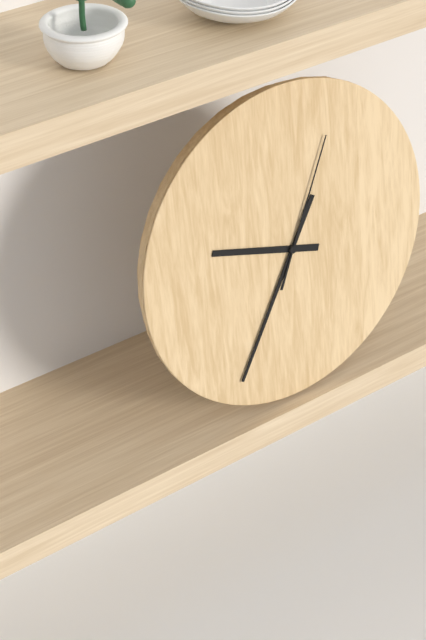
9h35m04s
